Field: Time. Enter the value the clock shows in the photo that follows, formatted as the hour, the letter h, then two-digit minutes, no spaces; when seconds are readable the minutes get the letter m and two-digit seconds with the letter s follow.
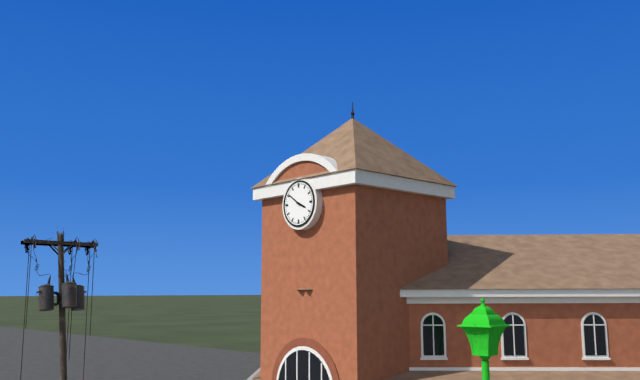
3h51
